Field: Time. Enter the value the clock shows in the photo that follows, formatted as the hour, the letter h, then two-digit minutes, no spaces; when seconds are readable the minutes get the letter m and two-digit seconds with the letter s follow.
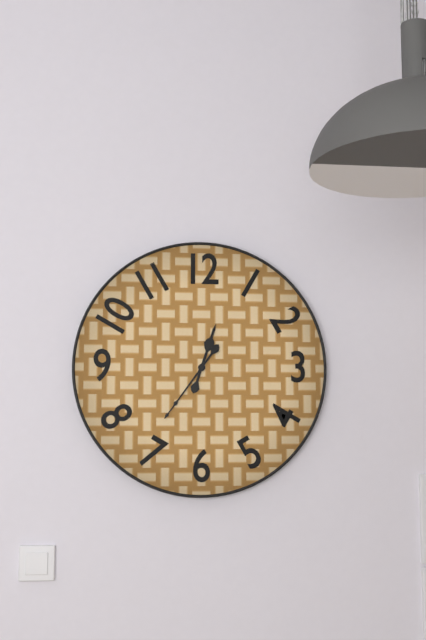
12h36
